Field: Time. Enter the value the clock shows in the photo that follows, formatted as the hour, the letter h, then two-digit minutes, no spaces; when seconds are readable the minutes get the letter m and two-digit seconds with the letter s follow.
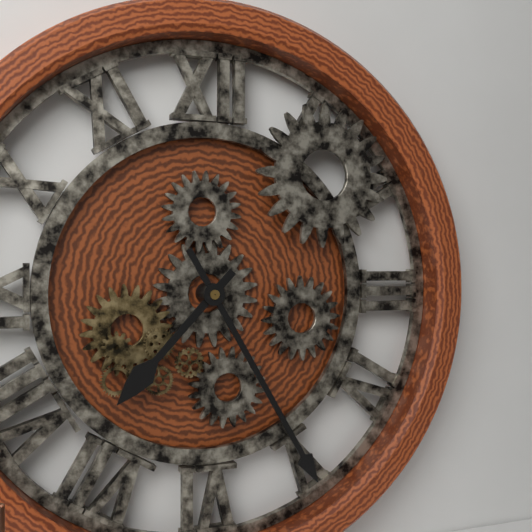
7h25
